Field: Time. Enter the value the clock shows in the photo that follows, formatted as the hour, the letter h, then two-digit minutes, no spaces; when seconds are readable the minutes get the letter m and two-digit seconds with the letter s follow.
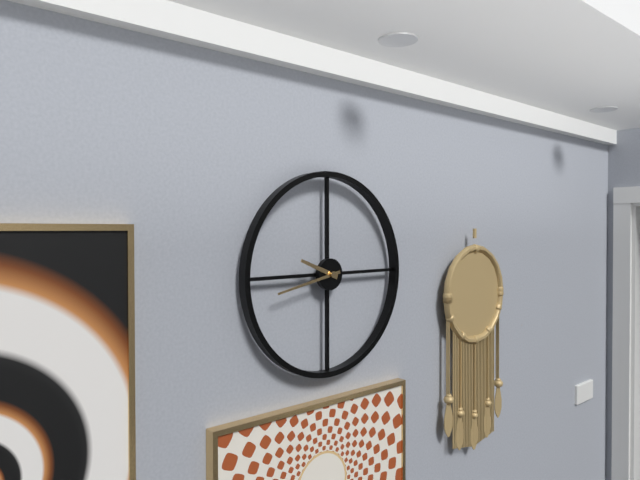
9h43
